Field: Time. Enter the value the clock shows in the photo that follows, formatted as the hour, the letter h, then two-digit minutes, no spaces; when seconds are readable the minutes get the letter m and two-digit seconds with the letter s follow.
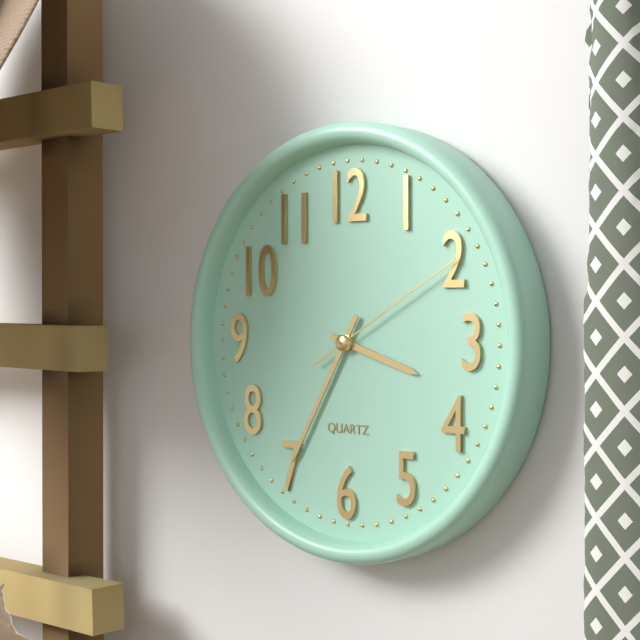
3h35m10s
